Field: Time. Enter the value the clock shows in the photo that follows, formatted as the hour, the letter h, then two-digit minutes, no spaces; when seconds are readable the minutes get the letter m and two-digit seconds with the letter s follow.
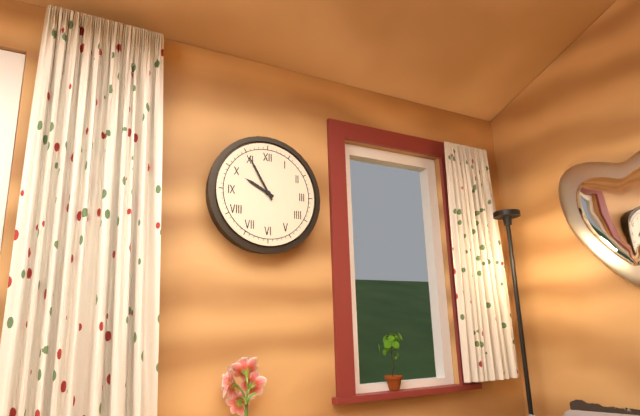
9h55
